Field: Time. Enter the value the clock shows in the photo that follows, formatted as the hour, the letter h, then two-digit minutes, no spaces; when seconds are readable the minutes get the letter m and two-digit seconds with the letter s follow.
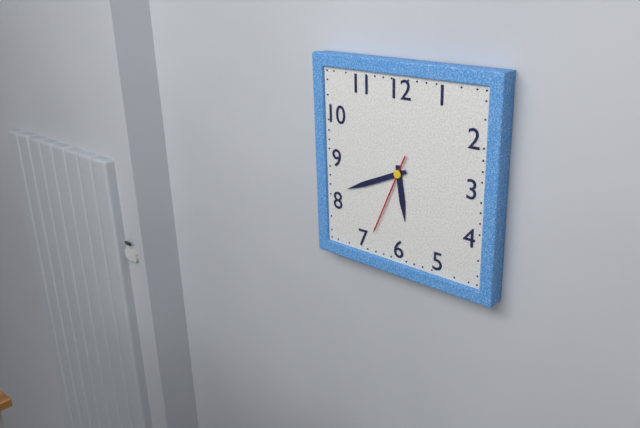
5h41m34s
